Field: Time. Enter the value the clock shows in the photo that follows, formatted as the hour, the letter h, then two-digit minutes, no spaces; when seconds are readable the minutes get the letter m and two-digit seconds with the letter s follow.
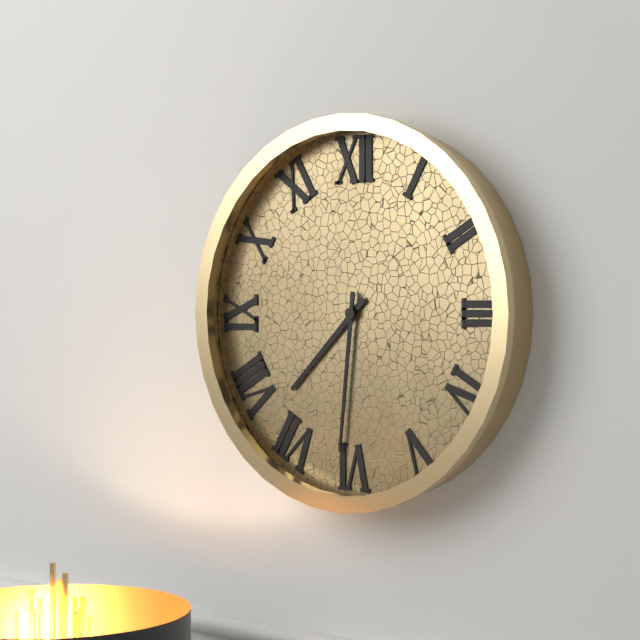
7h31
